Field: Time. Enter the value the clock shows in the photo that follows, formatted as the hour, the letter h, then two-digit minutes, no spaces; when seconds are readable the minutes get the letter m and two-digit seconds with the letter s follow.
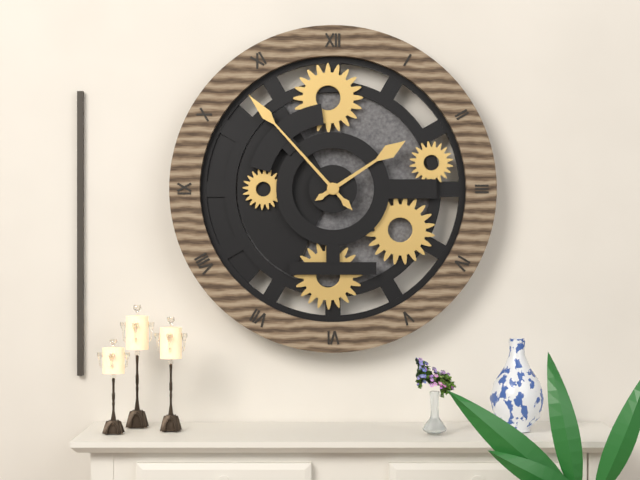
1h53
